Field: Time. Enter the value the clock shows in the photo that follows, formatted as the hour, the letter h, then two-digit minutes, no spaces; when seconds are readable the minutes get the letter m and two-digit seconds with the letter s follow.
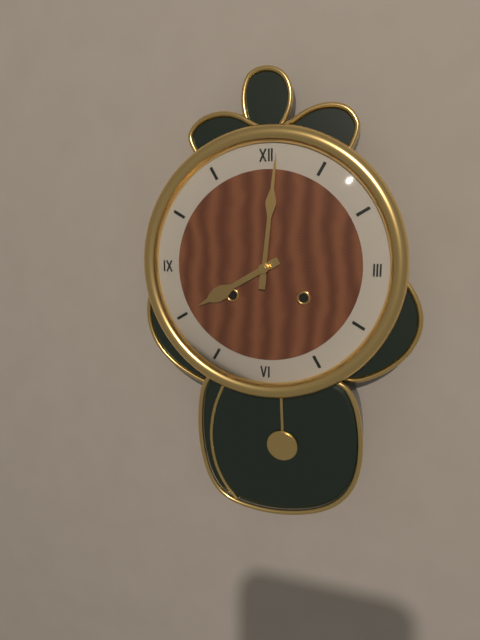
8h01
